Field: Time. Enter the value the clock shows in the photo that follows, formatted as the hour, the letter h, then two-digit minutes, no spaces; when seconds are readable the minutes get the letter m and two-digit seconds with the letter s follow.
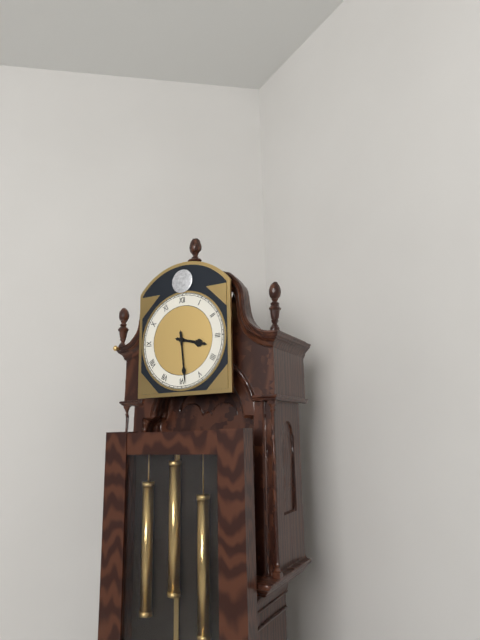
3h29
